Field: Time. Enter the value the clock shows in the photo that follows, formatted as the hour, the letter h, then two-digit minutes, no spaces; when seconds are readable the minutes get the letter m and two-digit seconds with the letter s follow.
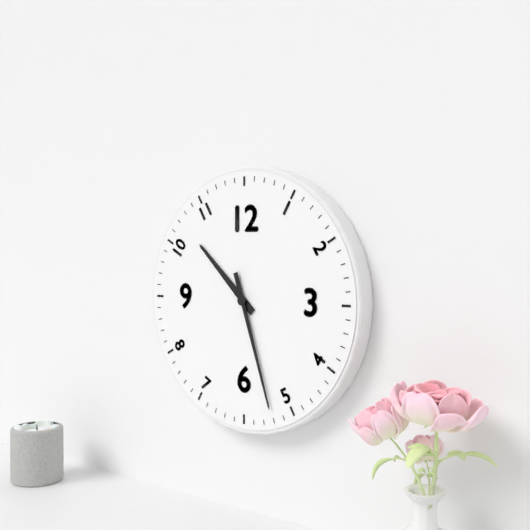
10h27
